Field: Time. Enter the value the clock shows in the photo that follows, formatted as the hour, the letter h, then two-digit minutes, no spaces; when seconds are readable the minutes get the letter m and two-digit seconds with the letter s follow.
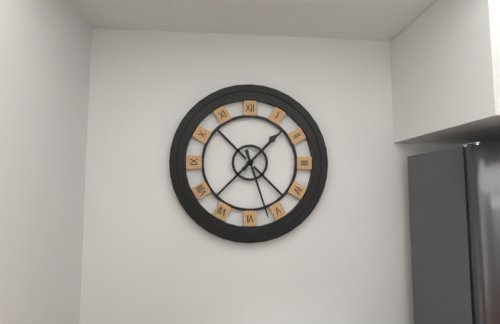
1h27
